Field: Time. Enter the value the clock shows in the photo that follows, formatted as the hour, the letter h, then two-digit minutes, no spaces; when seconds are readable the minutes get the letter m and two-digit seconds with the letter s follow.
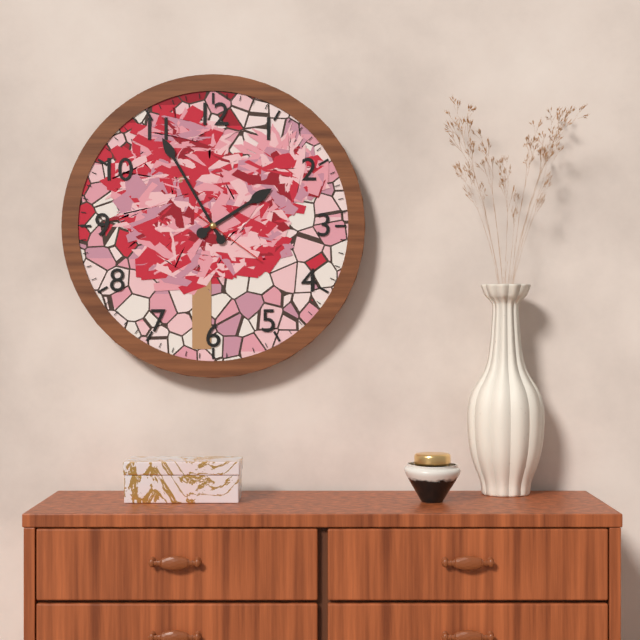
1h55m21s
